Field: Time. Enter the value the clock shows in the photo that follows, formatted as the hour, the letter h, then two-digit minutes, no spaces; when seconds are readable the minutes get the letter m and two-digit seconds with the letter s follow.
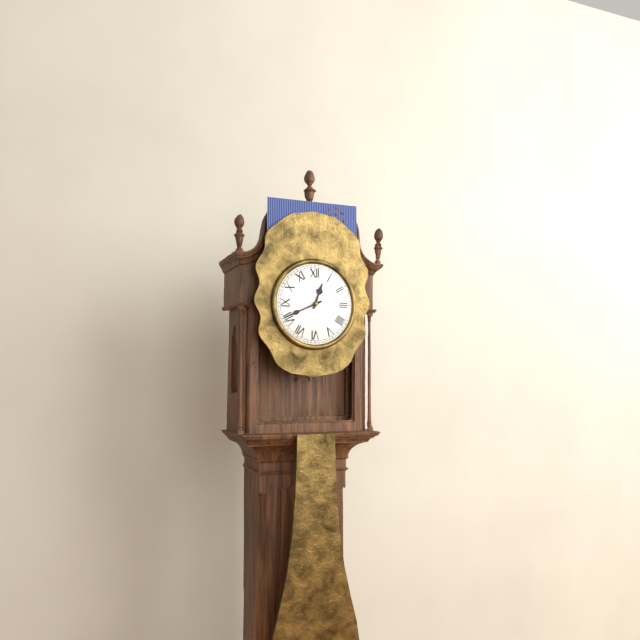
12h41
